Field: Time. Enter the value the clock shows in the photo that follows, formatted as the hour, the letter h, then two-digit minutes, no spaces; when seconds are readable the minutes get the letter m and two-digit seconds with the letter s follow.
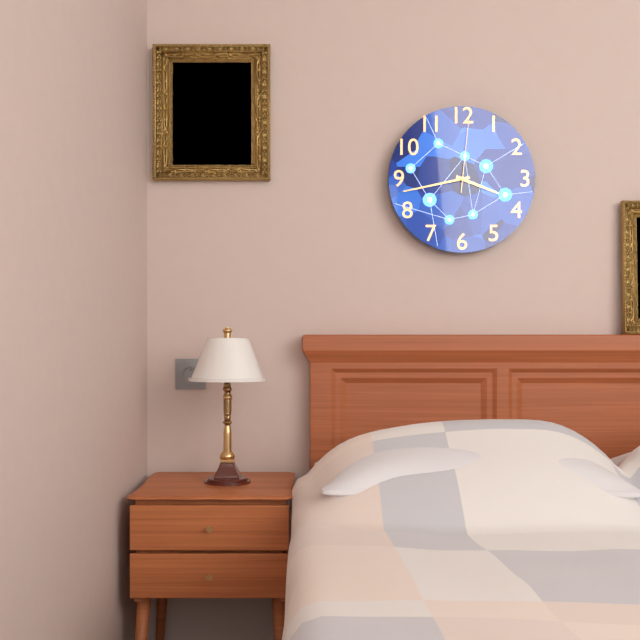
3h43m01s
